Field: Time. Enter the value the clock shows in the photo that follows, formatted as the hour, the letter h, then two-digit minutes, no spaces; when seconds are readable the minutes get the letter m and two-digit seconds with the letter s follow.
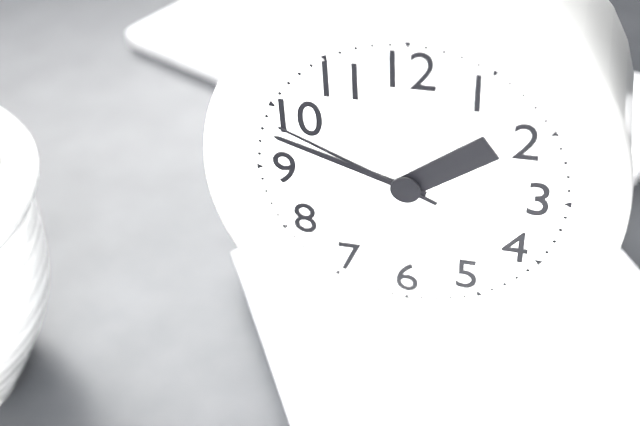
1h48m49s
